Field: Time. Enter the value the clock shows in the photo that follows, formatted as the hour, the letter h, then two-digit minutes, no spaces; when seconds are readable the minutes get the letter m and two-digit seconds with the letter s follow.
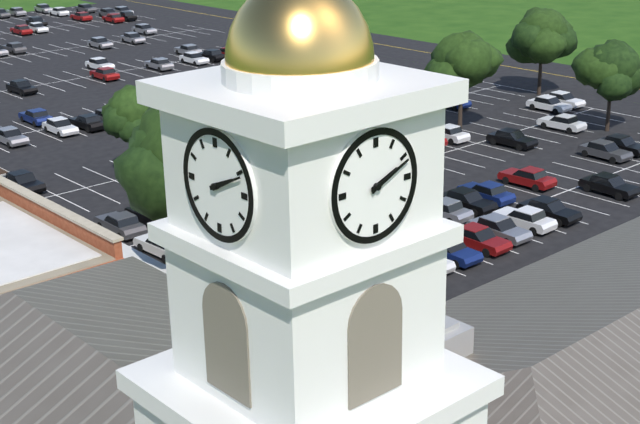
2h11
